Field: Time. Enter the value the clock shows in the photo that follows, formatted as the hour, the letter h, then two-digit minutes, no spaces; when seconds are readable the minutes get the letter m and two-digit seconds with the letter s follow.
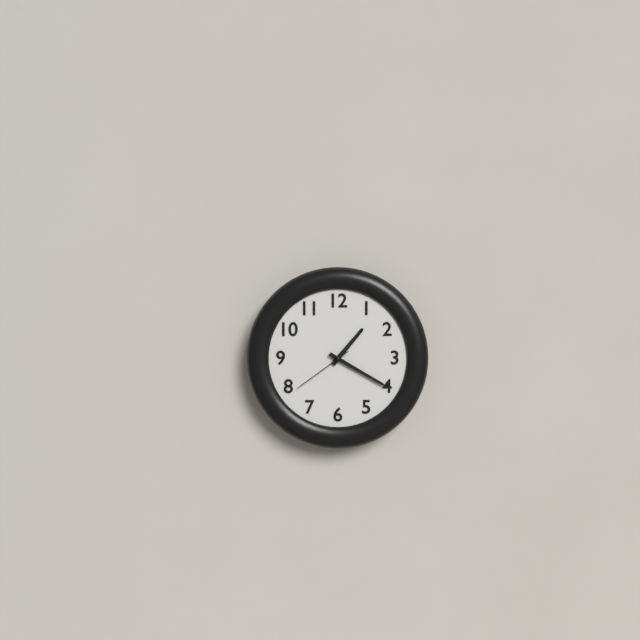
1h20m39s
